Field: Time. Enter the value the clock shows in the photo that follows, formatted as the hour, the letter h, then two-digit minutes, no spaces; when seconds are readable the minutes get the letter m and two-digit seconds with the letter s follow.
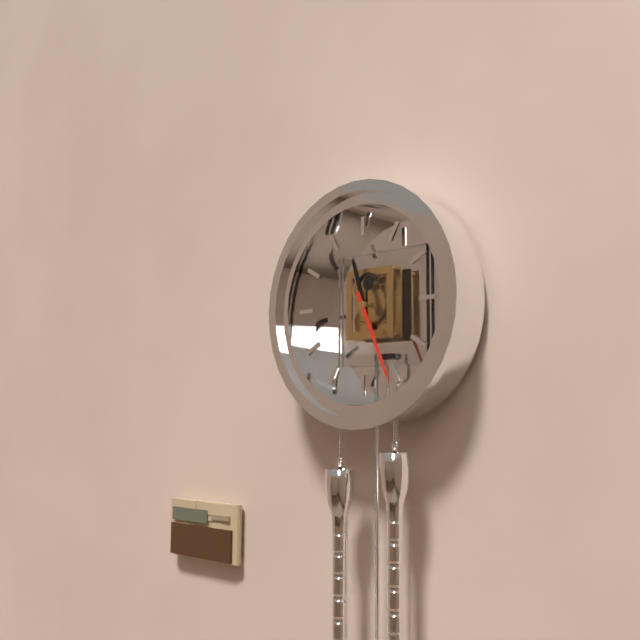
11h26
